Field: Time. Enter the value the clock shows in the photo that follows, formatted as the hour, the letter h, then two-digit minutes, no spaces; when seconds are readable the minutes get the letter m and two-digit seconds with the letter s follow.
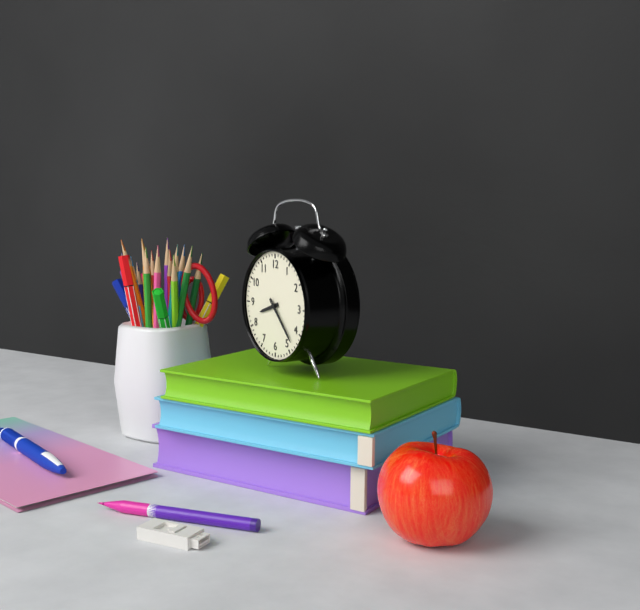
8h23
